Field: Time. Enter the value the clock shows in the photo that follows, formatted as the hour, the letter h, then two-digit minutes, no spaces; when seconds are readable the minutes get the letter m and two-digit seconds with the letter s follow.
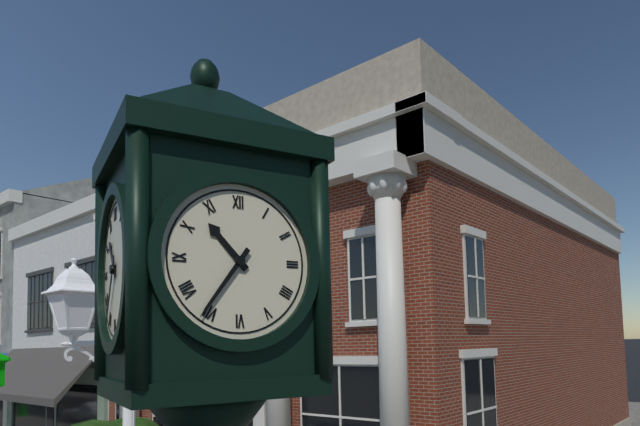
10h36
